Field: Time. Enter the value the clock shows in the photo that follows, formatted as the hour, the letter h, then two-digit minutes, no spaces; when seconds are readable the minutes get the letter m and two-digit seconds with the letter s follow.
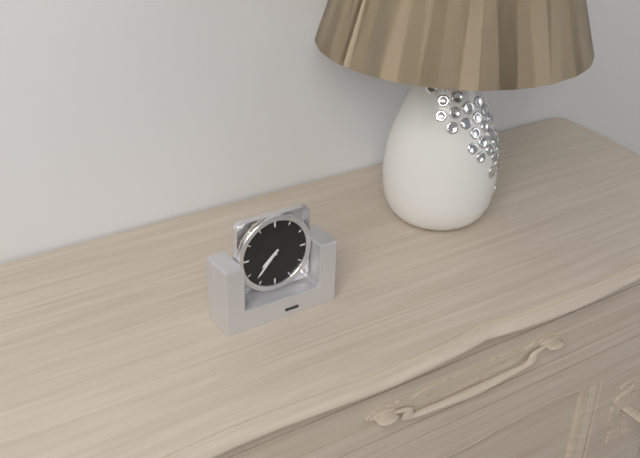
7h37
